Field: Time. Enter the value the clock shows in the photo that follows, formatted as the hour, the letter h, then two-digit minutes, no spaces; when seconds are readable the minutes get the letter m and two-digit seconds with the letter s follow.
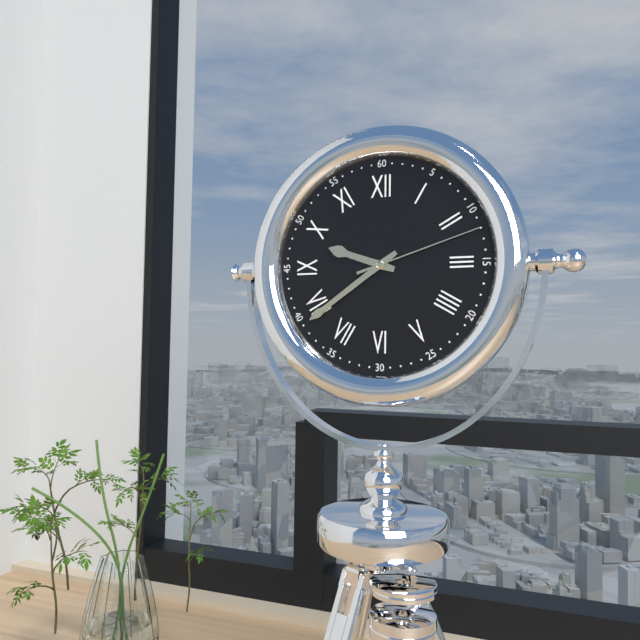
9h39m12s
